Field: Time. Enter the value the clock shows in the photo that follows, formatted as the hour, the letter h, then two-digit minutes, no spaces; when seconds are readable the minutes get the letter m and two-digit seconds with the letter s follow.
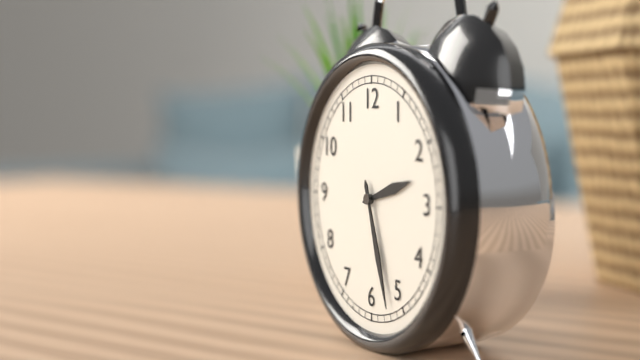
2h27
